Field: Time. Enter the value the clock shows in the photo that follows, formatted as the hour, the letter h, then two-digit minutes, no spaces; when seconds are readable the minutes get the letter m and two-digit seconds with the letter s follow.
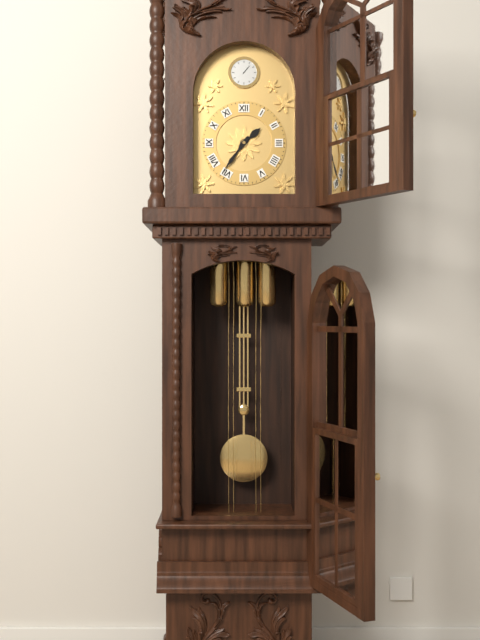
1h36
